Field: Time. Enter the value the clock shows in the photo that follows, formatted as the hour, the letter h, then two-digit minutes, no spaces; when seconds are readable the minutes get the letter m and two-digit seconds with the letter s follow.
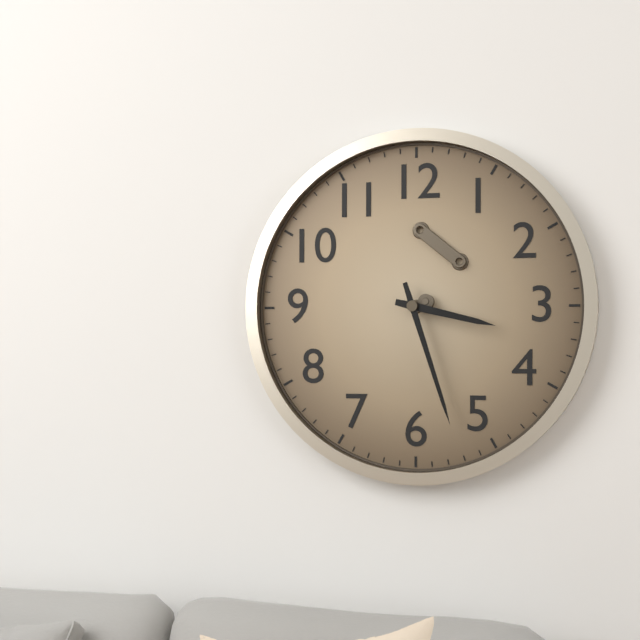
3h27
